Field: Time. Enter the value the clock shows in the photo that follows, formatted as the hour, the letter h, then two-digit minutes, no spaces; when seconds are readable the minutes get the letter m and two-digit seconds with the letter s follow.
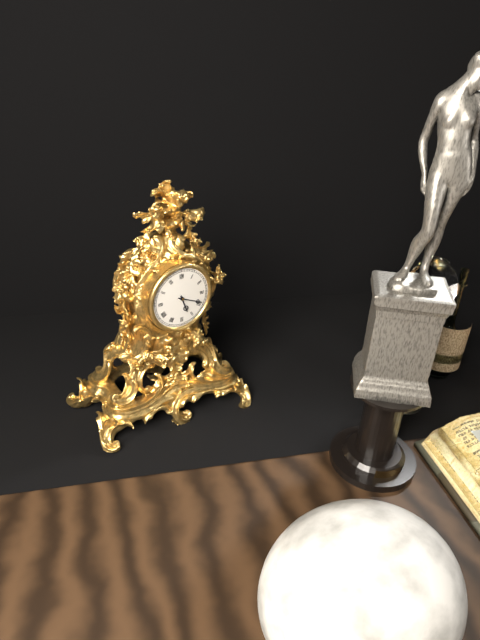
5h19
